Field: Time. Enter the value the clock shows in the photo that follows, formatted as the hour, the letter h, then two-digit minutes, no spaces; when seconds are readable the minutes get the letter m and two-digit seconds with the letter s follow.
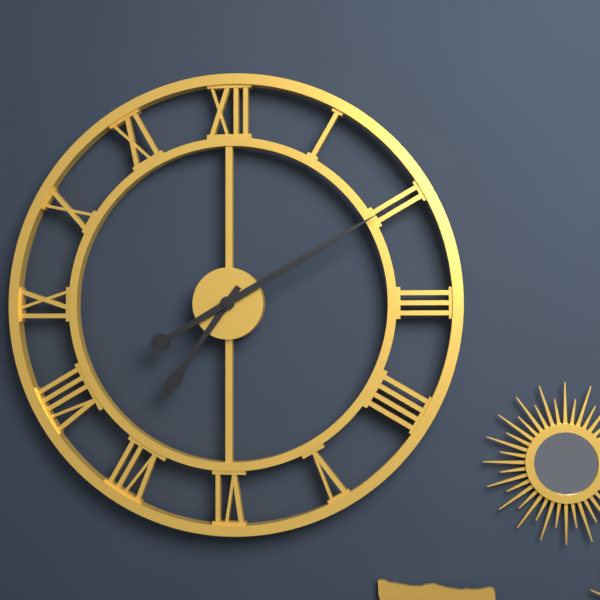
7h10
